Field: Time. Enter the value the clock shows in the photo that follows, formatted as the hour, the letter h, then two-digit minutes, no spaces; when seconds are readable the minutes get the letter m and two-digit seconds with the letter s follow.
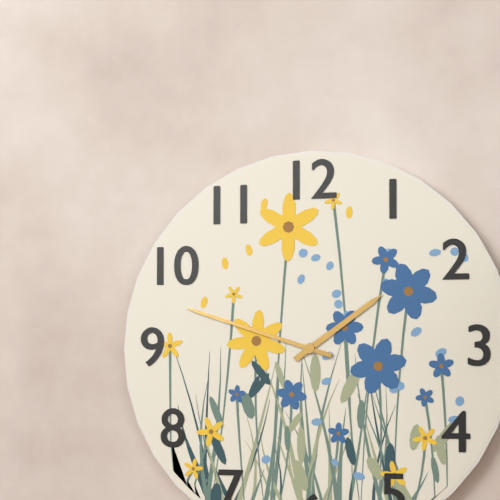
1h48
